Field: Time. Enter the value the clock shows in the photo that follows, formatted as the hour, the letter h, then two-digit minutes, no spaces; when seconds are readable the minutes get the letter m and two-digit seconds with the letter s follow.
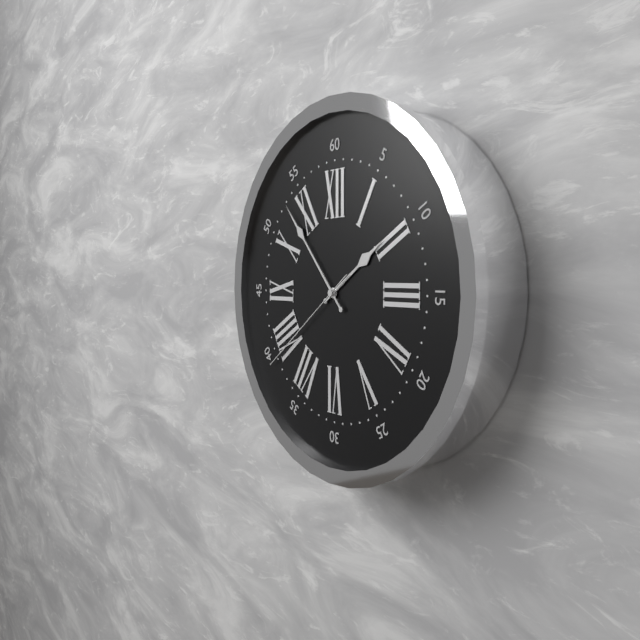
1h53m39s
